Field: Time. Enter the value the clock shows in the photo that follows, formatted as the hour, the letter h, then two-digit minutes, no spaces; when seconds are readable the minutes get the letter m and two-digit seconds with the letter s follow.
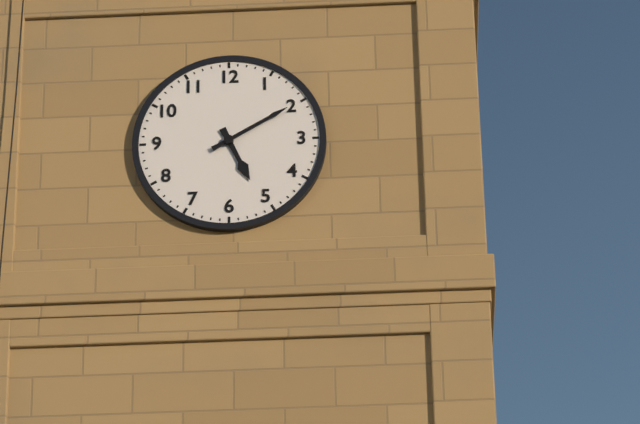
5h10
